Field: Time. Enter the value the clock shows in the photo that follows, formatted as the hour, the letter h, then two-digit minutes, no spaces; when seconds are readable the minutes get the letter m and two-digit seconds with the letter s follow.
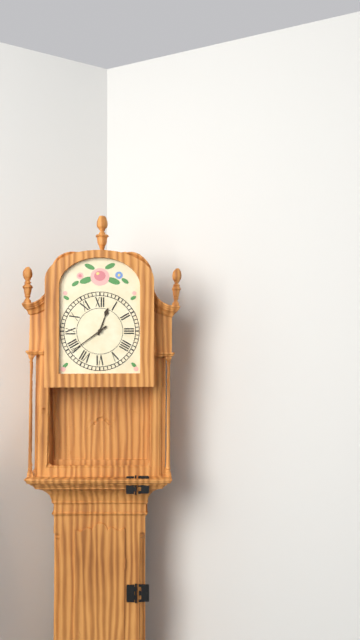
12h39
